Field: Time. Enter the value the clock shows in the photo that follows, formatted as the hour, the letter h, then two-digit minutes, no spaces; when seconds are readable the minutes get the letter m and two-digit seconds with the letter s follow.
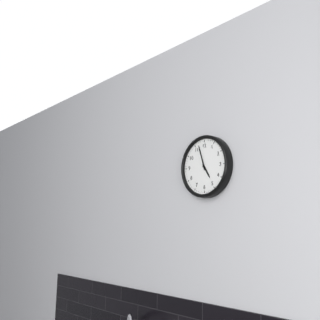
4h57
